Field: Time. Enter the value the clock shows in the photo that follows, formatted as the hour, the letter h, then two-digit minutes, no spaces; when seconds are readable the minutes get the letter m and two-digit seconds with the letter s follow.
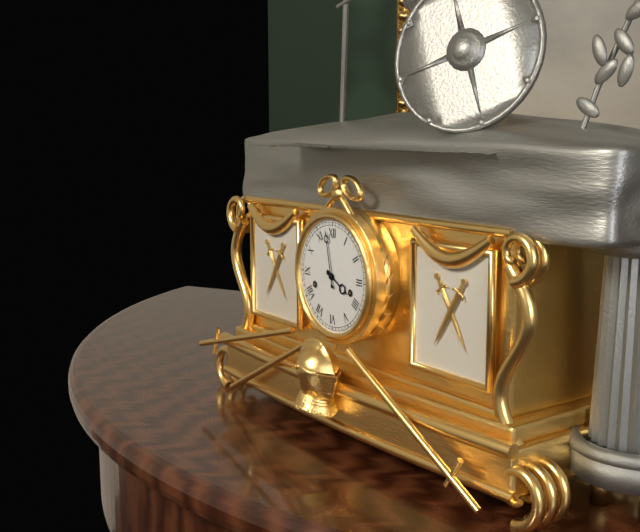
3h58
